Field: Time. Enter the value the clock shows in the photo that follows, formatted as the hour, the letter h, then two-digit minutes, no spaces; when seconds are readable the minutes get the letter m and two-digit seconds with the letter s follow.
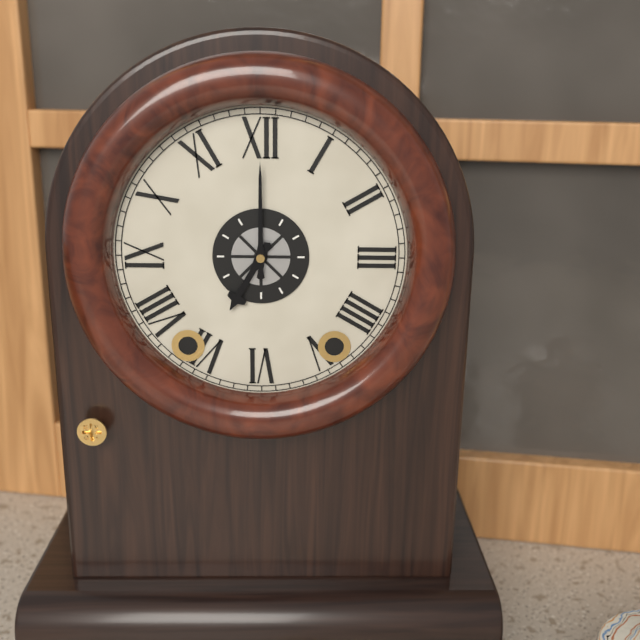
7h00
